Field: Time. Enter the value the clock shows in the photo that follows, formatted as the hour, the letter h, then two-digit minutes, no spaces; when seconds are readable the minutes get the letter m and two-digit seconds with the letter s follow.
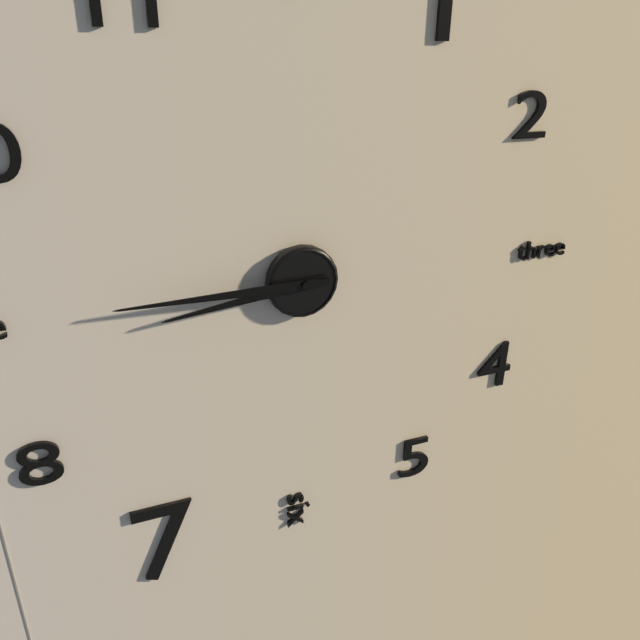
8h45
